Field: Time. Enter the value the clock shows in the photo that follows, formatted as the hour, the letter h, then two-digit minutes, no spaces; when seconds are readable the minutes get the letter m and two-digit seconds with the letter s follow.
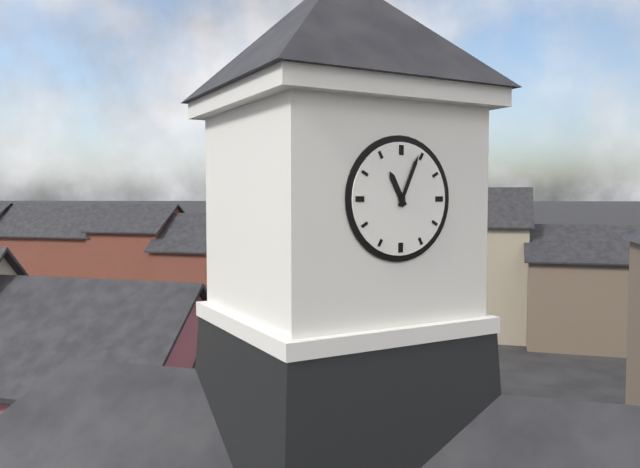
11h04
